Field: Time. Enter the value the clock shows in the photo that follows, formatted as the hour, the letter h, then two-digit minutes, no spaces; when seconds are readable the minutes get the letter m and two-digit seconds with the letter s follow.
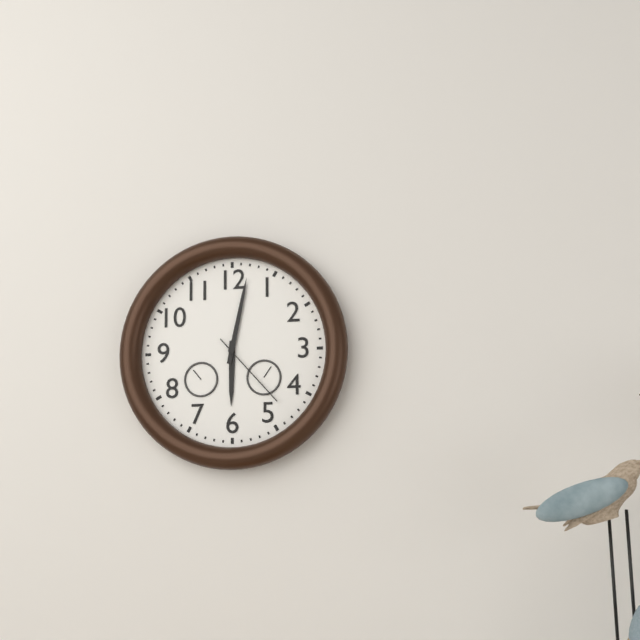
6h02m23s
